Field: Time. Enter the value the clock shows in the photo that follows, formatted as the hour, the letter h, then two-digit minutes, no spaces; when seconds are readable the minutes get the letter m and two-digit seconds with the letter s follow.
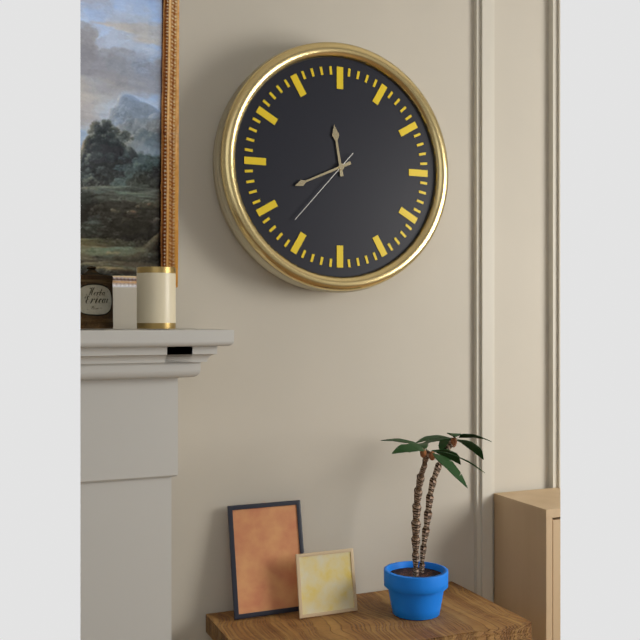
11h41m37s
